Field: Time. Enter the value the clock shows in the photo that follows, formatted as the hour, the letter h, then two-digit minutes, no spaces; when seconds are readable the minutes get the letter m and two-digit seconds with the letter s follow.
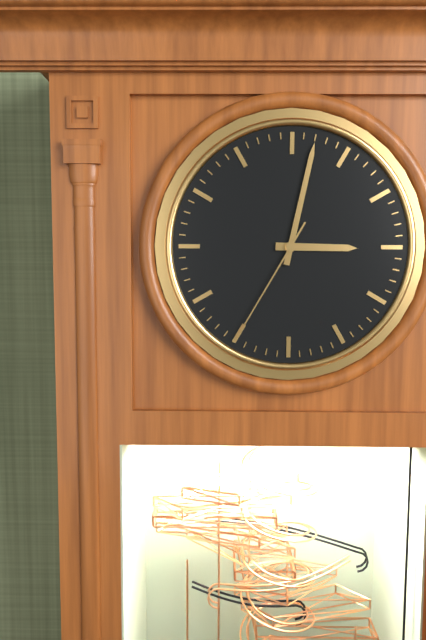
3h02m35s
